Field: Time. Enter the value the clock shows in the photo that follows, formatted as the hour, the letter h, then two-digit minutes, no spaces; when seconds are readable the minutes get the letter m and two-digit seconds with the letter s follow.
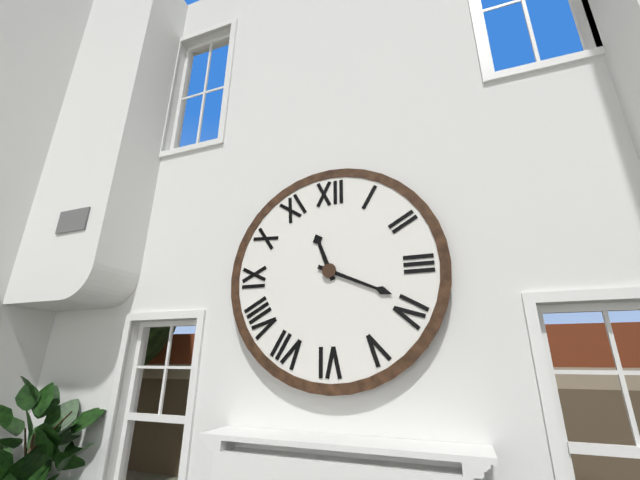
11h19
